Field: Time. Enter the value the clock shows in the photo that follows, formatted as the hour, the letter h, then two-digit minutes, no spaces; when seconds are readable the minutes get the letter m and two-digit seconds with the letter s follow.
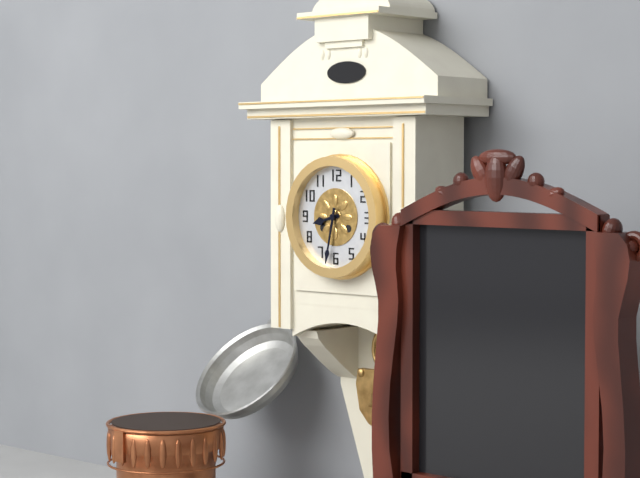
8h32
